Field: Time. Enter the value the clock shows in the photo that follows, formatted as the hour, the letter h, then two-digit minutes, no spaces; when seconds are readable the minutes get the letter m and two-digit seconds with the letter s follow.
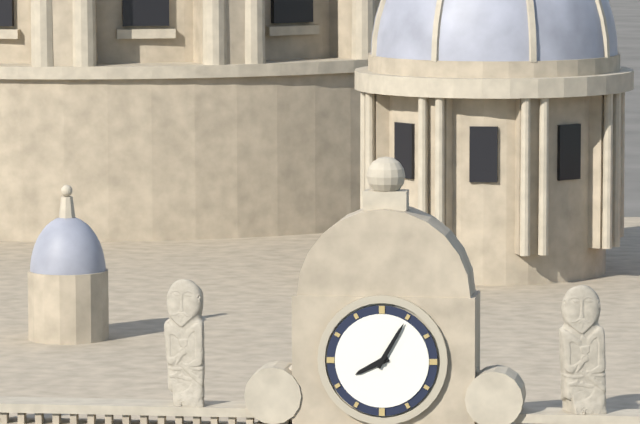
8h05
